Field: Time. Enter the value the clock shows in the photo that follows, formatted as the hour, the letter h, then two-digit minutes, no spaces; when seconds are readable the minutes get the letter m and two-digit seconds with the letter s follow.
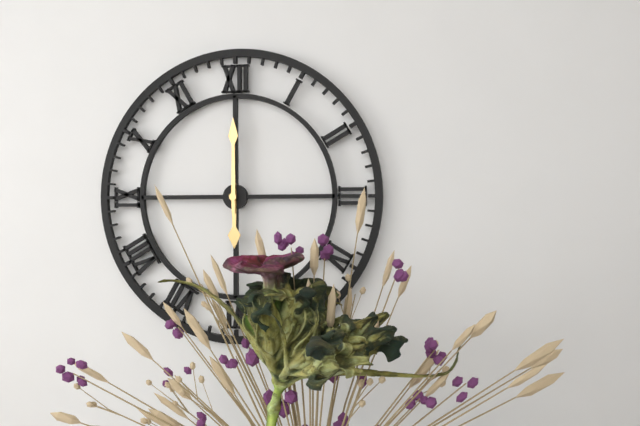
6h00
